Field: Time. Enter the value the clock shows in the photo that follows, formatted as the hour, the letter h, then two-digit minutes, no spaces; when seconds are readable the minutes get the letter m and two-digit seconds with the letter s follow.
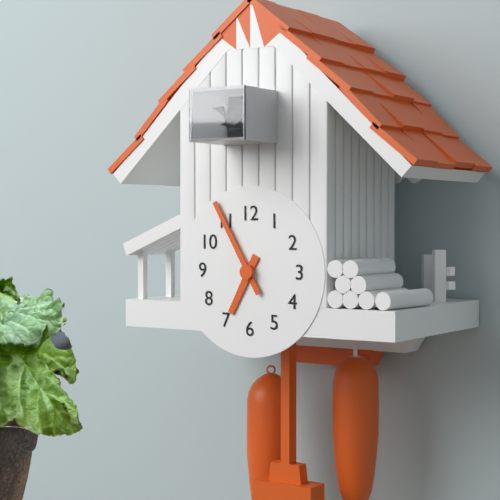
6h55
